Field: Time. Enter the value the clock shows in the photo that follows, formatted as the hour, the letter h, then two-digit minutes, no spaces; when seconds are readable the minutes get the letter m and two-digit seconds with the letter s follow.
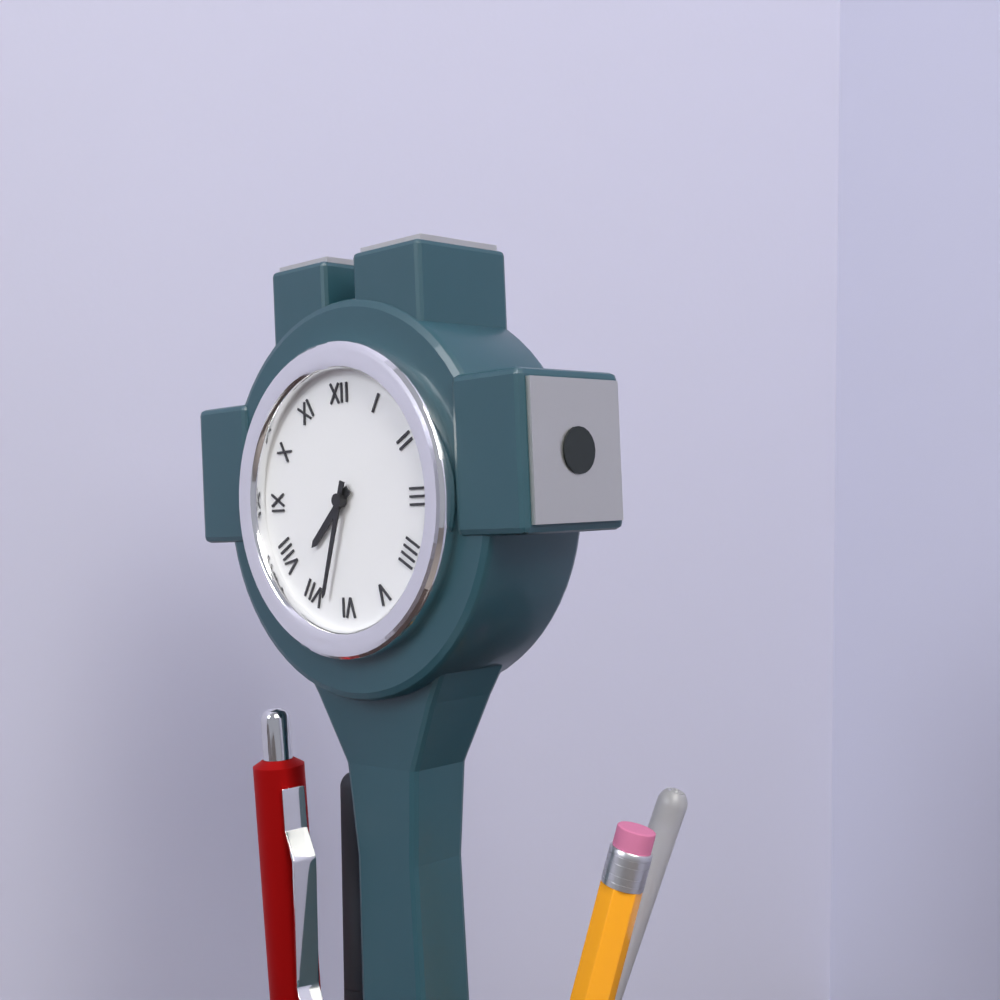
7h33
